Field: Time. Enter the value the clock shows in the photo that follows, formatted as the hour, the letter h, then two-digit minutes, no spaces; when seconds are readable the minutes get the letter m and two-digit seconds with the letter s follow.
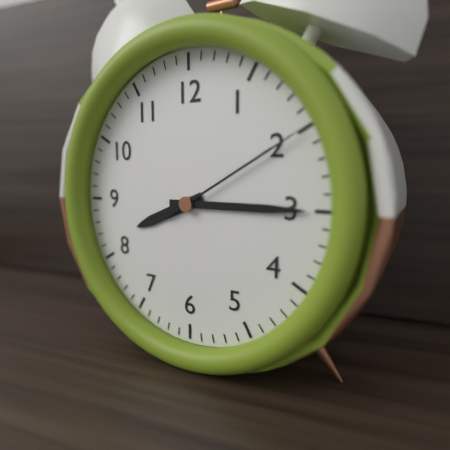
8h15m10s
